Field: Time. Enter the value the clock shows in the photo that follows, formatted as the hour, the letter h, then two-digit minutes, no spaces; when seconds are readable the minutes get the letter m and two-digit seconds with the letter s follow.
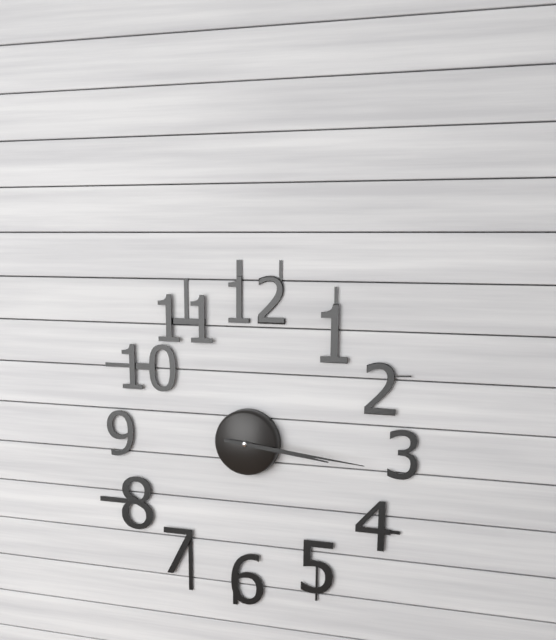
3h16
